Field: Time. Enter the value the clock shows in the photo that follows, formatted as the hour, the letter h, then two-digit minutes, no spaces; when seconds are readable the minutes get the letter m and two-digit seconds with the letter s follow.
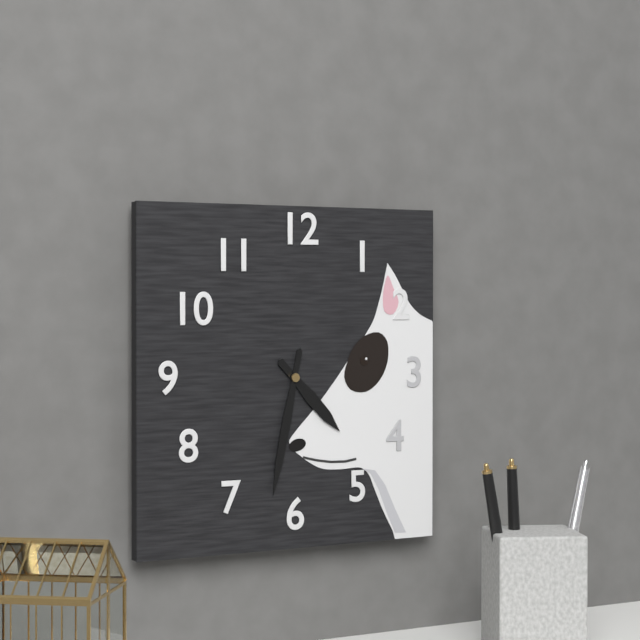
4h32
